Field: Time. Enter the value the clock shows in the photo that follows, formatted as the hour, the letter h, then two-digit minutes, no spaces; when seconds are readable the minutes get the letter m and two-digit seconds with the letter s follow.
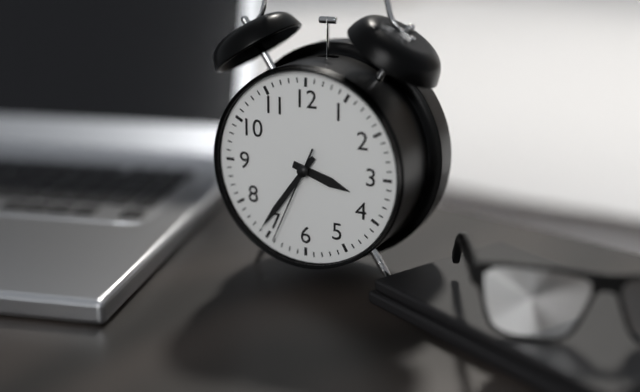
3h36m34s
